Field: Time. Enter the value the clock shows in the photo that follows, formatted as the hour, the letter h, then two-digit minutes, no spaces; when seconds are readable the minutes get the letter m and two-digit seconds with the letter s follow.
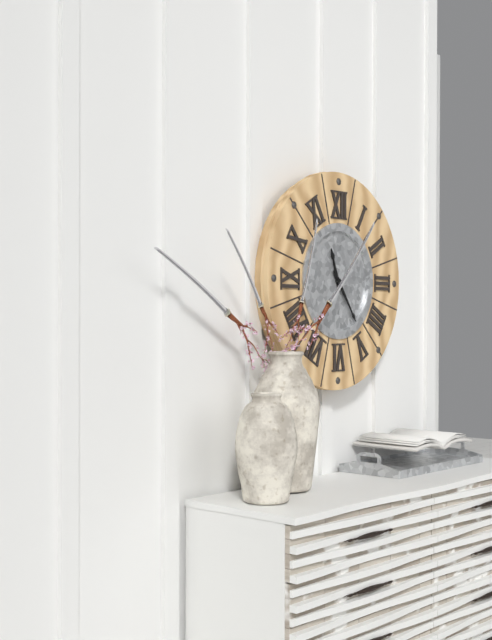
11h24
